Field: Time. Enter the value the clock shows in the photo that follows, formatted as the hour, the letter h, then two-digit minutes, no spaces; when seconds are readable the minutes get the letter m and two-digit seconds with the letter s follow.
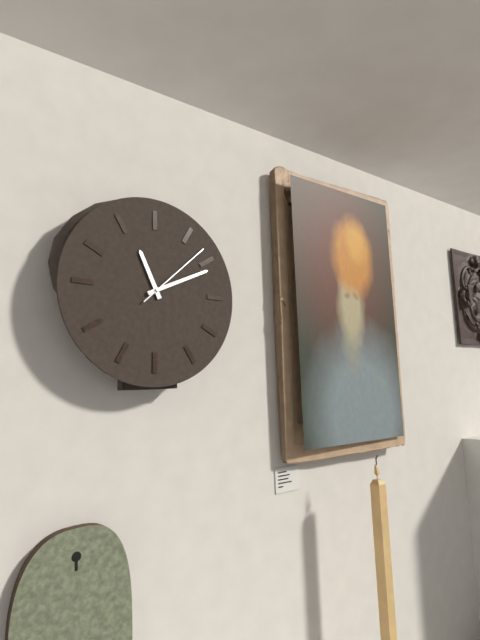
11h11m08s
